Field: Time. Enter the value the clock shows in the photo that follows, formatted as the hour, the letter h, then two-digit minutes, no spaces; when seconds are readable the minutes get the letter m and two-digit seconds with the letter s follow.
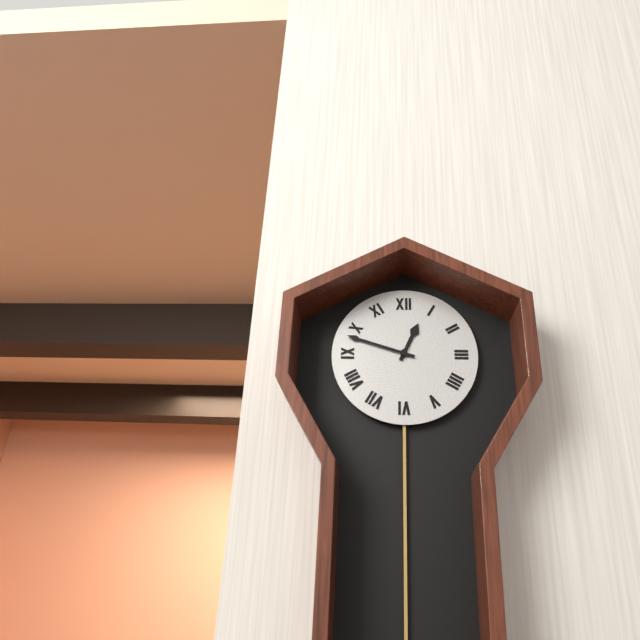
12h48
